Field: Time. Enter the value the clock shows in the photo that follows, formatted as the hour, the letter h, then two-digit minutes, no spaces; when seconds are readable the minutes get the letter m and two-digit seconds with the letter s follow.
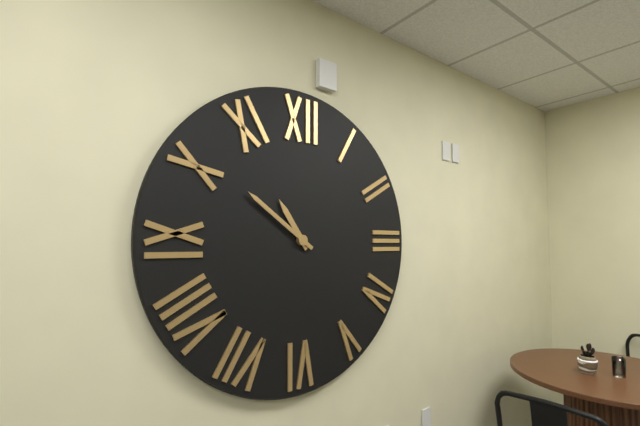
10h51
